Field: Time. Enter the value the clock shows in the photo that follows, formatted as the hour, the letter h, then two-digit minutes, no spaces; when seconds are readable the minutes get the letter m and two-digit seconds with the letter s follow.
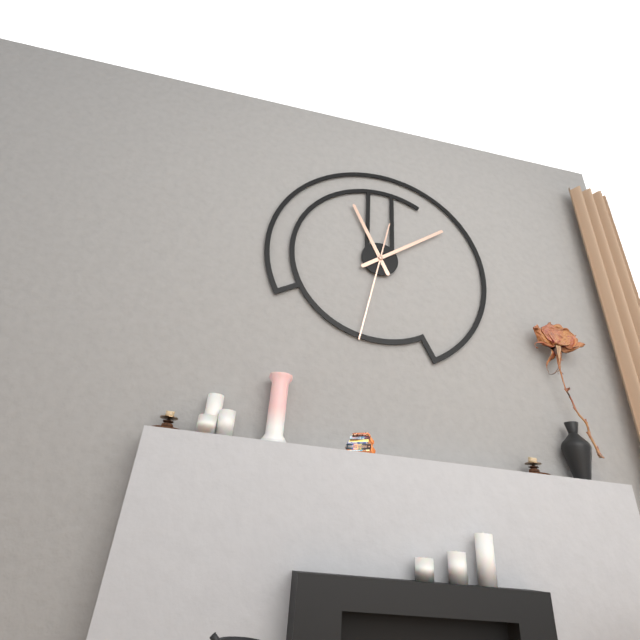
11h09m32s
